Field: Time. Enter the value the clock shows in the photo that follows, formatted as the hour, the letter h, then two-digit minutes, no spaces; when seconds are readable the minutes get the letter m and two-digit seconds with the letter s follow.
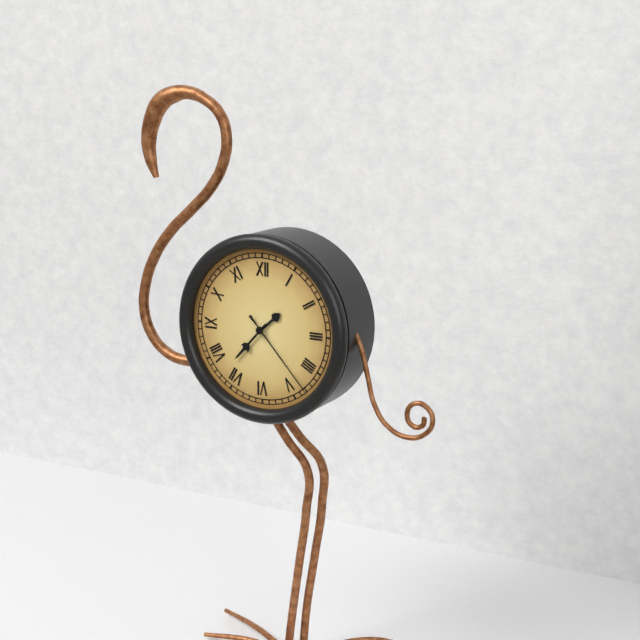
1h37m23s
